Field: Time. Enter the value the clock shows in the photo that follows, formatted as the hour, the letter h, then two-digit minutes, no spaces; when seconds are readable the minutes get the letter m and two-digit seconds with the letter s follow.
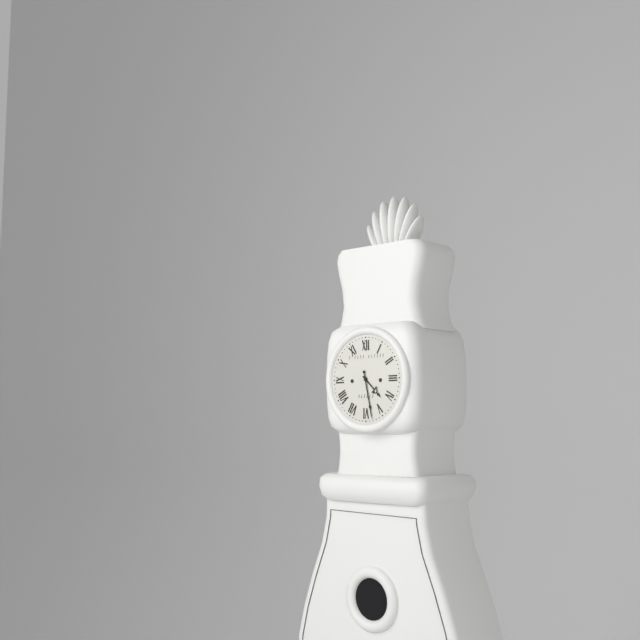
4h28
